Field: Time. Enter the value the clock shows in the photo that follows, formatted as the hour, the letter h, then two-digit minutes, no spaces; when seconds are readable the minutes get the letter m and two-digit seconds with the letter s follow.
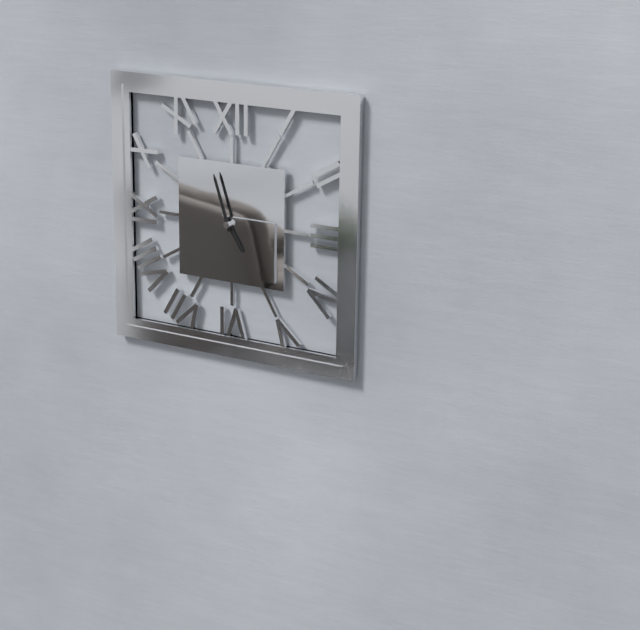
4h57
